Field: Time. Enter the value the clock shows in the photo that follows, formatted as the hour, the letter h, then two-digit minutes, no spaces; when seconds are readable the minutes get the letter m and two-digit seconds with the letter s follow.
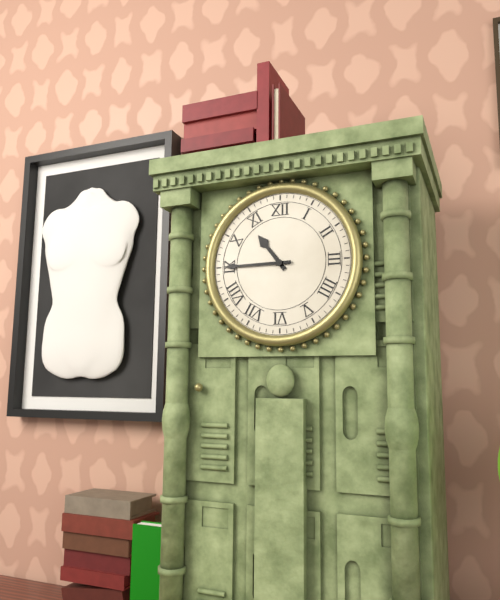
10h45
